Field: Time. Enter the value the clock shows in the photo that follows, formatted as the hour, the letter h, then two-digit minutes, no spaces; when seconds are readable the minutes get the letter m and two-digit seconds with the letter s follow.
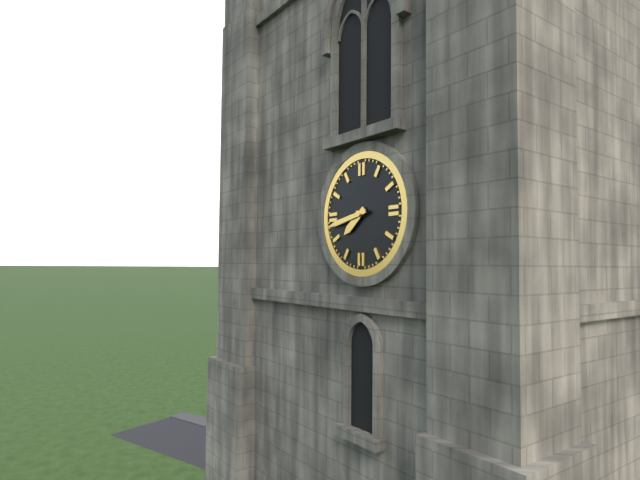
7h43
